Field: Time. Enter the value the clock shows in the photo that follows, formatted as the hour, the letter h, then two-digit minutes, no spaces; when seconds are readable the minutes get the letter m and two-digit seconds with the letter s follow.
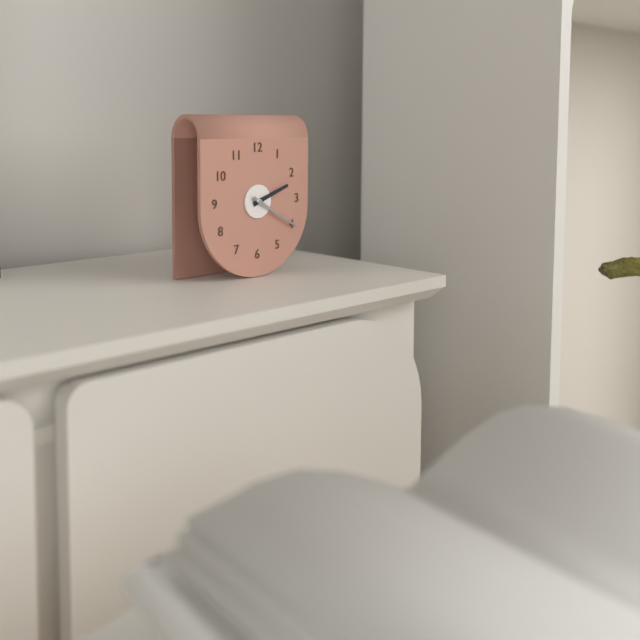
2h20
